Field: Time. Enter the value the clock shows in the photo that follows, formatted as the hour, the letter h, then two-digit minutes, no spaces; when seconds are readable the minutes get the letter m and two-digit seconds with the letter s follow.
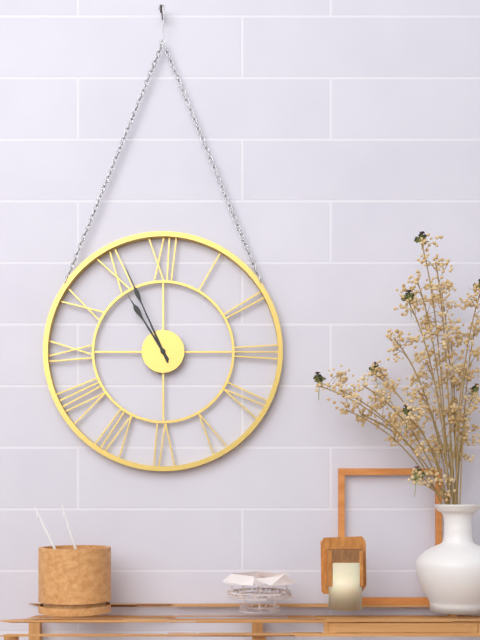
10h56
